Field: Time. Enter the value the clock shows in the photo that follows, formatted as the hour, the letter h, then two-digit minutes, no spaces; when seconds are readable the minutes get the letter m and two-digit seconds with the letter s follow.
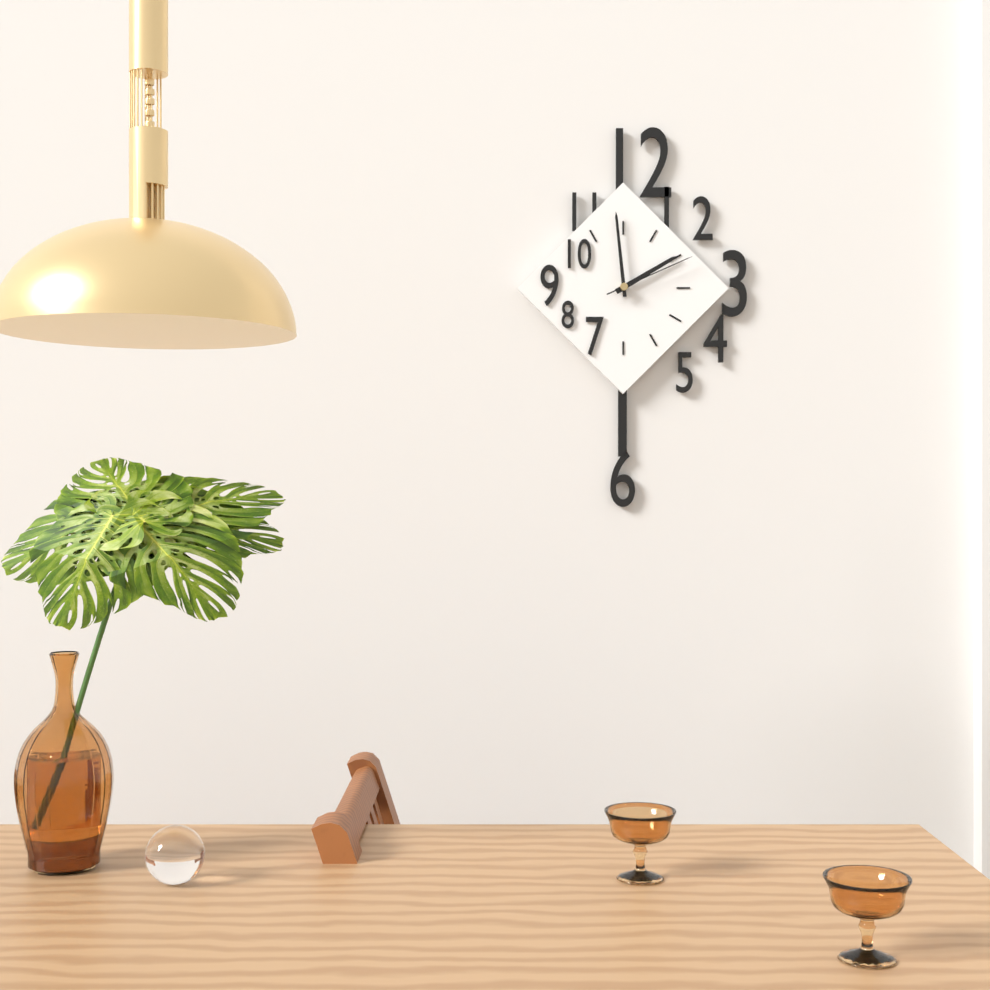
1h59m11s
